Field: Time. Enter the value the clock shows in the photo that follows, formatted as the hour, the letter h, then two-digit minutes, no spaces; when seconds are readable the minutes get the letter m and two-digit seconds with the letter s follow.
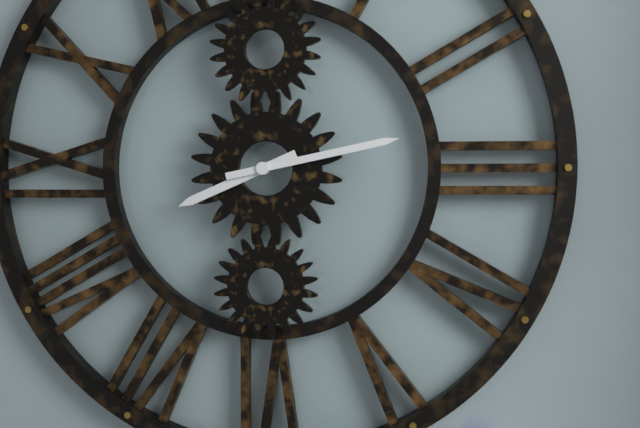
8h13
